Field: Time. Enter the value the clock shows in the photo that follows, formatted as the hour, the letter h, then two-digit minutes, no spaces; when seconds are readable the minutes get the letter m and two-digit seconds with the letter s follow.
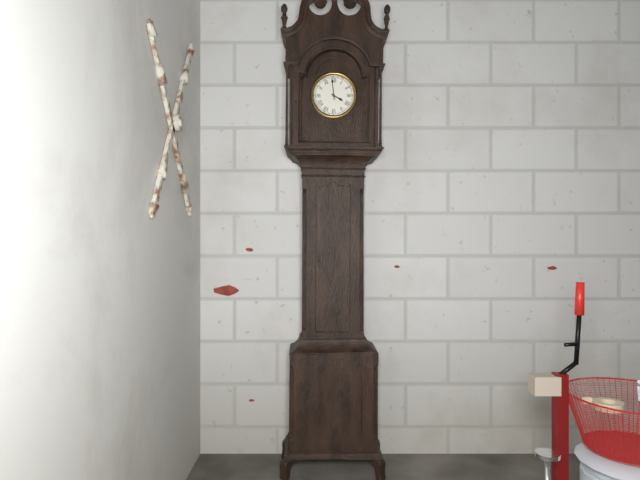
3h59
